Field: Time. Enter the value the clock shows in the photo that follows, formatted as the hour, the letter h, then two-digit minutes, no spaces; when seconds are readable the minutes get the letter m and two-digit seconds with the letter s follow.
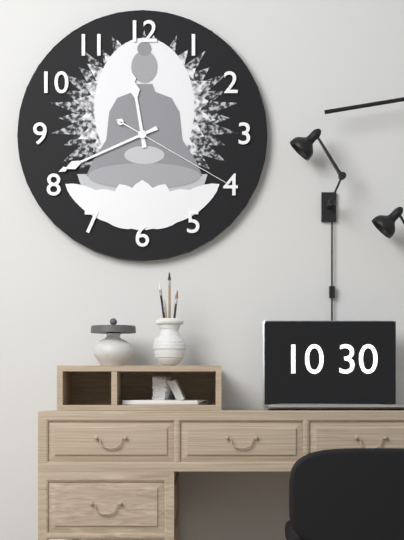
11h41m20s
